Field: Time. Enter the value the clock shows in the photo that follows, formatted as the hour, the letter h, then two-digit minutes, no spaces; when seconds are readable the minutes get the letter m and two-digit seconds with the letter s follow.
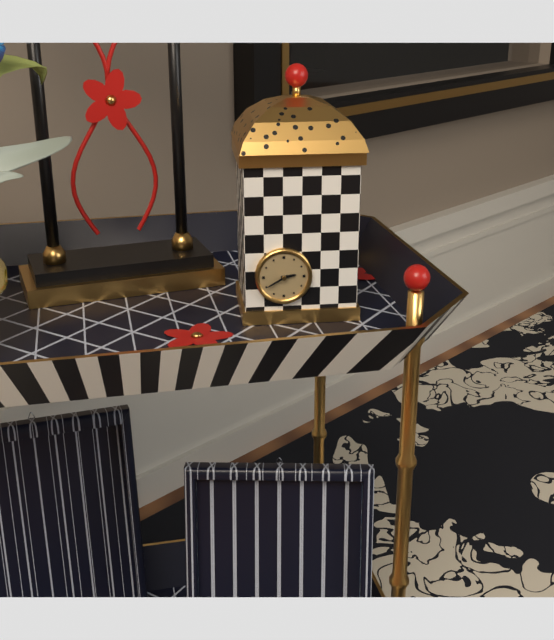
2h40
